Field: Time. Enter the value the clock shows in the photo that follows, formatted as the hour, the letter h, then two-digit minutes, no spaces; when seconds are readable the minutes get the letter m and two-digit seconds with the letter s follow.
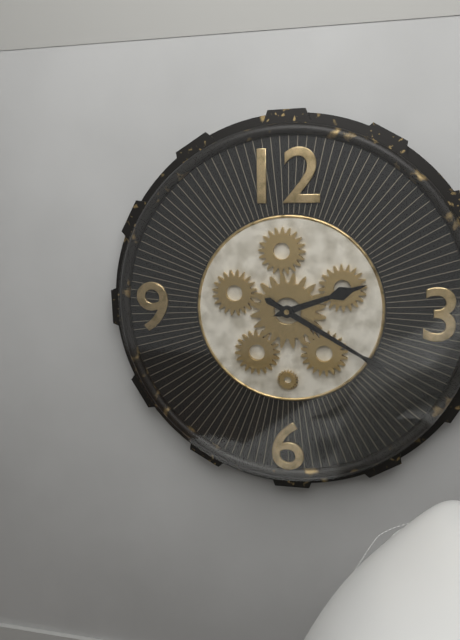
2h20
